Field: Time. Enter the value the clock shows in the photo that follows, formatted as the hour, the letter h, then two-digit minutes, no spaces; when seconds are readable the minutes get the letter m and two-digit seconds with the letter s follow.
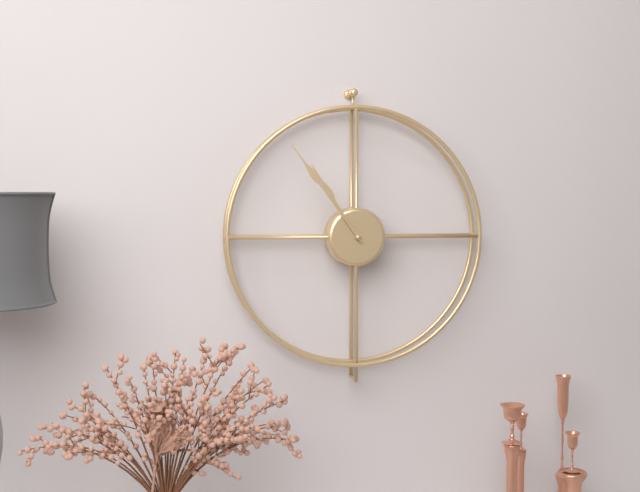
10h54
